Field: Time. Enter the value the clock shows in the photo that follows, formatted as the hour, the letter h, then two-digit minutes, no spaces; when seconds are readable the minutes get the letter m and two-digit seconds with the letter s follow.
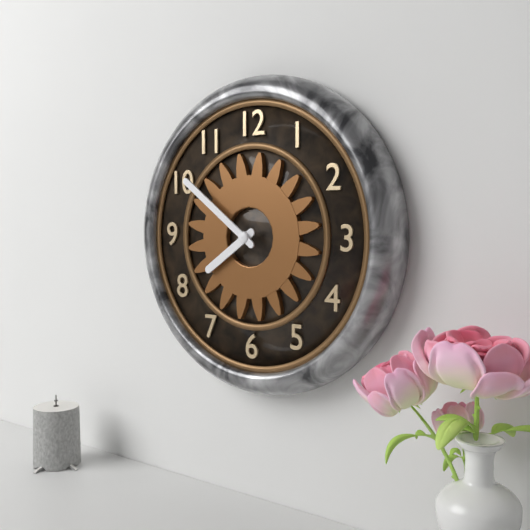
7h51
